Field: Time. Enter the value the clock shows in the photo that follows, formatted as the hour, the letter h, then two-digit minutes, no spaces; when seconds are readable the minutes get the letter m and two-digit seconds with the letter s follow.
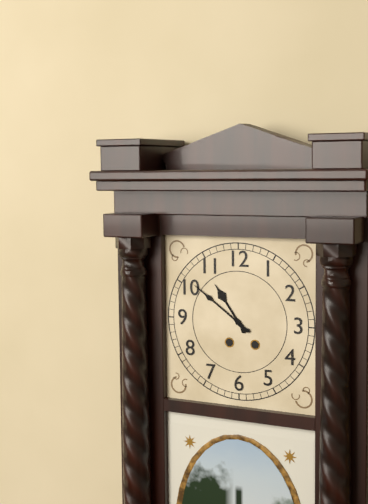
10h51
